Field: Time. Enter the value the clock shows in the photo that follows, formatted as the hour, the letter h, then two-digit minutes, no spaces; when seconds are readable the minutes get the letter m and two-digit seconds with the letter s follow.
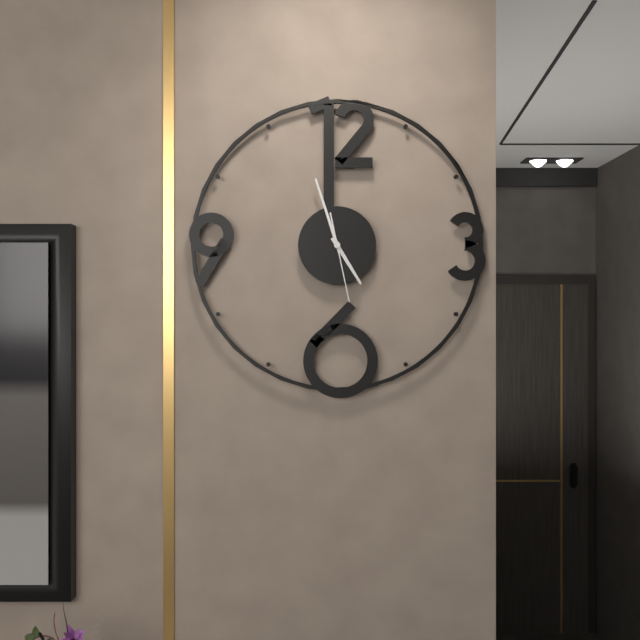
4h57m28s
